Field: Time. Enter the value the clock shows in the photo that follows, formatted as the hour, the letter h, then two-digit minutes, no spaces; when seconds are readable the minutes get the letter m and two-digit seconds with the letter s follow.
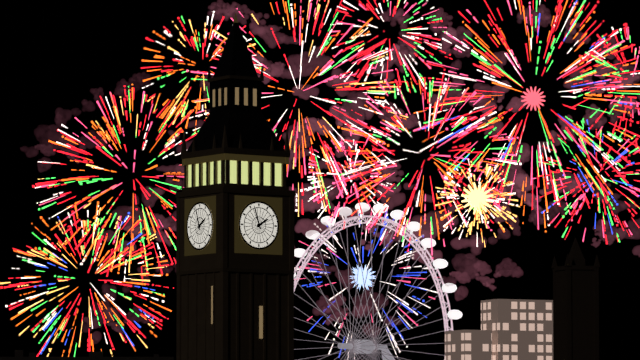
1h57
